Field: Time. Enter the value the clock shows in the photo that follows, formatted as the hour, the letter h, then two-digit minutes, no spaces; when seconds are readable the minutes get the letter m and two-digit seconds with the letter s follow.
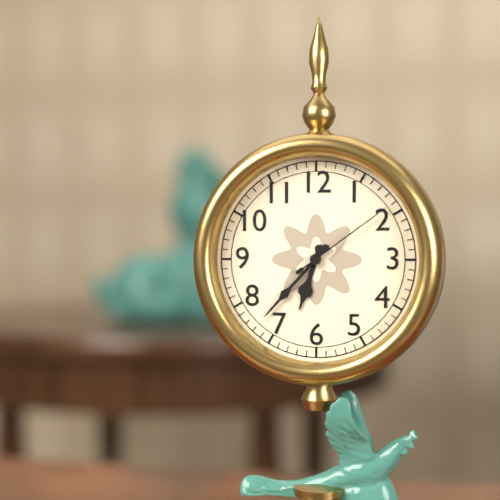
6h37m09s
